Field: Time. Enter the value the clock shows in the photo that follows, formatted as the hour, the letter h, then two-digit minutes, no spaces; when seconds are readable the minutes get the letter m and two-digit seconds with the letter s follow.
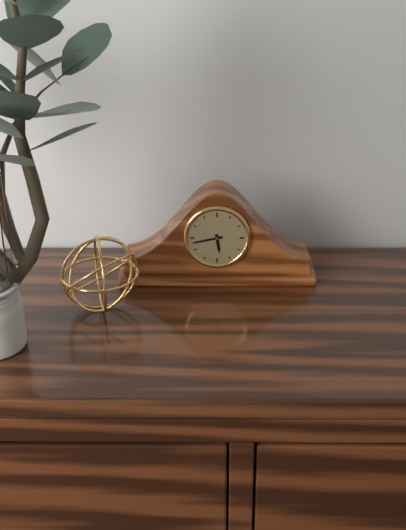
5h43
